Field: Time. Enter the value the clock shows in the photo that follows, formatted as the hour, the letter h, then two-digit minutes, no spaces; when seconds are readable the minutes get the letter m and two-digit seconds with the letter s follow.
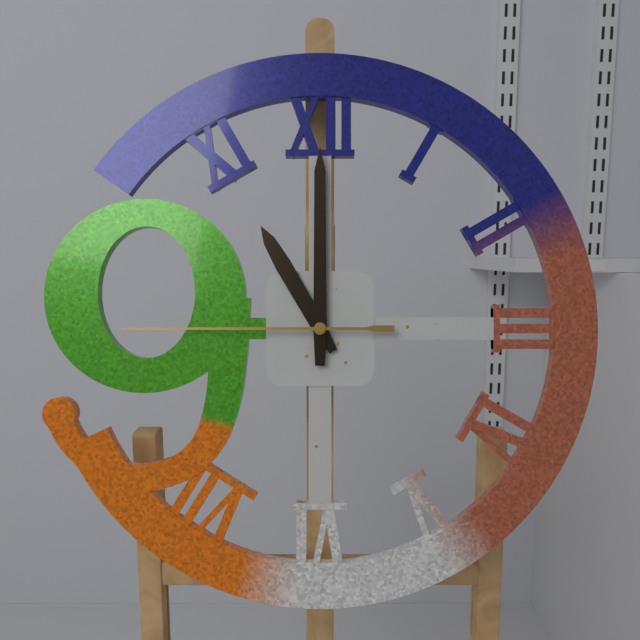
11h00m45s
